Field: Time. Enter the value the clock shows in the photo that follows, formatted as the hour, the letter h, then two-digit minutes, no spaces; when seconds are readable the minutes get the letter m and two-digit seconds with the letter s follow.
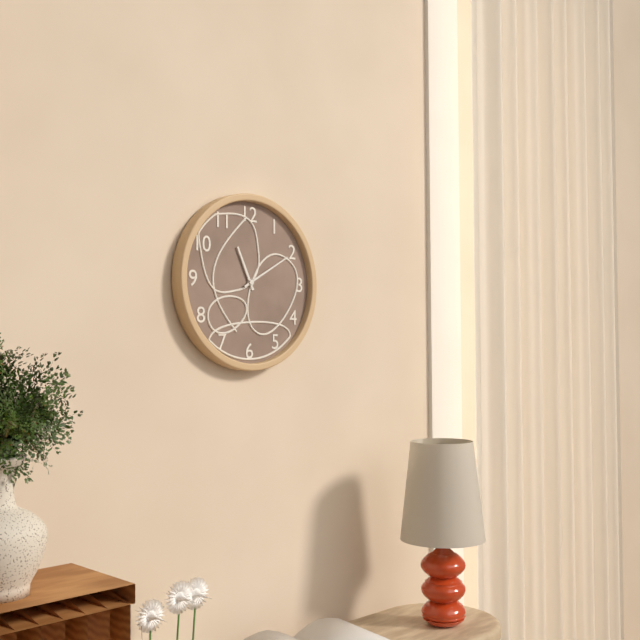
11h10
